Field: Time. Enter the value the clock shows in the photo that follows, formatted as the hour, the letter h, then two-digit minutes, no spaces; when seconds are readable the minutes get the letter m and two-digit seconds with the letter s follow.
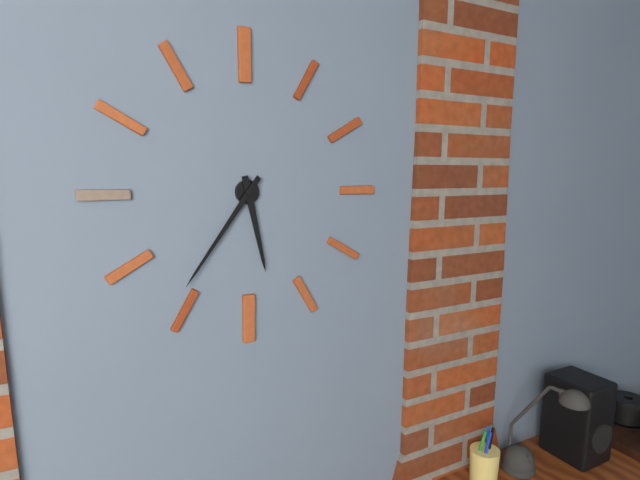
5h36
